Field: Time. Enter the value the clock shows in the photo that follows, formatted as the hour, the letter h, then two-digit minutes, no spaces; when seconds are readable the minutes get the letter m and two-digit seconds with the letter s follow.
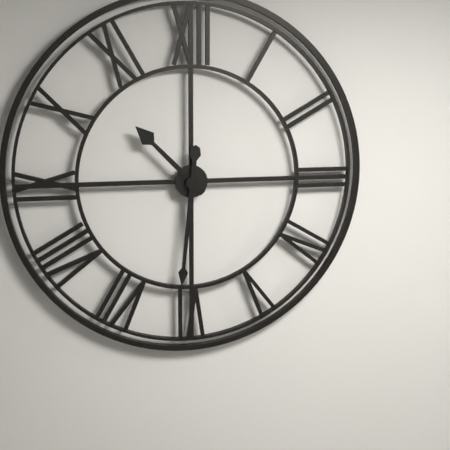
10h31
